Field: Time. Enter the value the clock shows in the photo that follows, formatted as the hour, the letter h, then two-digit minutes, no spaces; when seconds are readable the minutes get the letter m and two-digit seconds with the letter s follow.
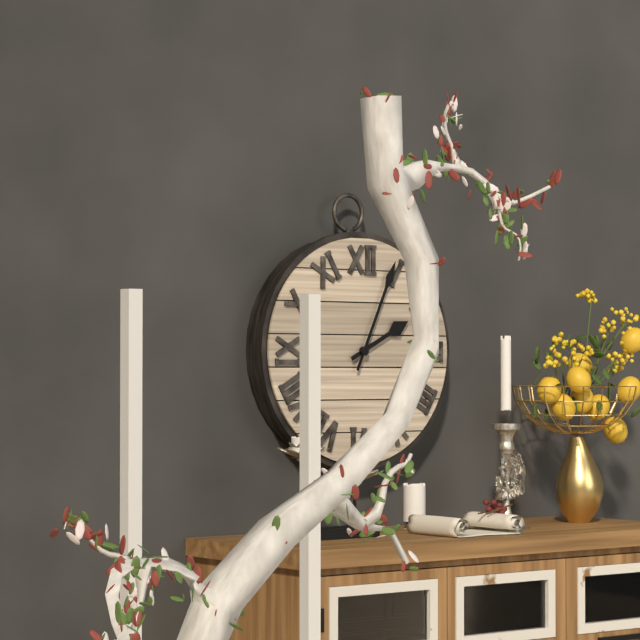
2h04
